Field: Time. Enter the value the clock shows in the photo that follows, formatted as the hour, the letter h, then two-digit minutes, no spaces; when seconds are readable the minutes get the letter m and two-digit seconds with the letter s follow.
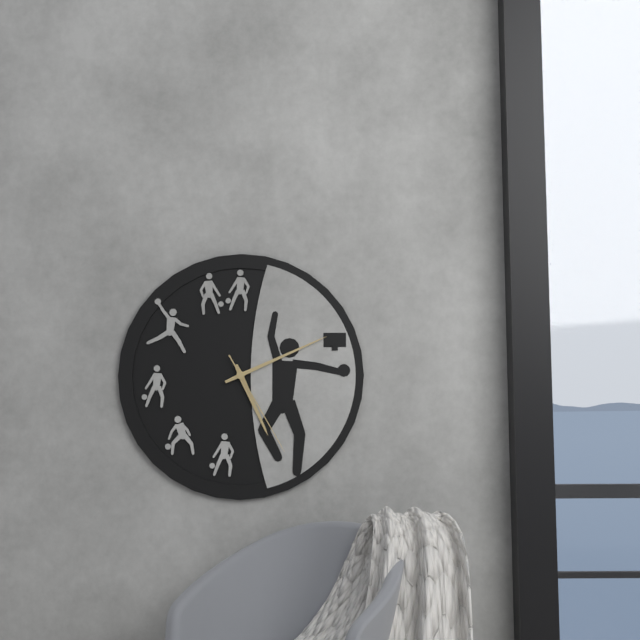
5h11m25s
